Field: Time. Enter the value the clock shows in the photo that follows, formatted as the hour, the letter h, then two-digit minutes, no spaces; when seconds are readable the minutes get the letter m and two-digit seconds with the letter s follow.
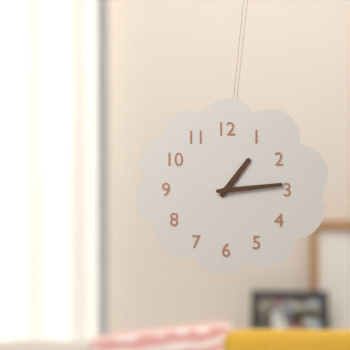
1h14
